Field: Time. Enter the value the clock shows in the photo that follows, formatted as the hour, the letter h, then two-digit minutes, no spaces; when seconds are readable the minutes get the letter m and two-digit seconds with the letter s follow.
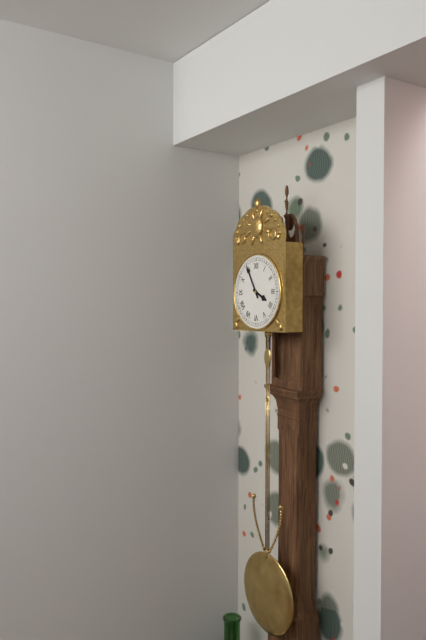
3h55
